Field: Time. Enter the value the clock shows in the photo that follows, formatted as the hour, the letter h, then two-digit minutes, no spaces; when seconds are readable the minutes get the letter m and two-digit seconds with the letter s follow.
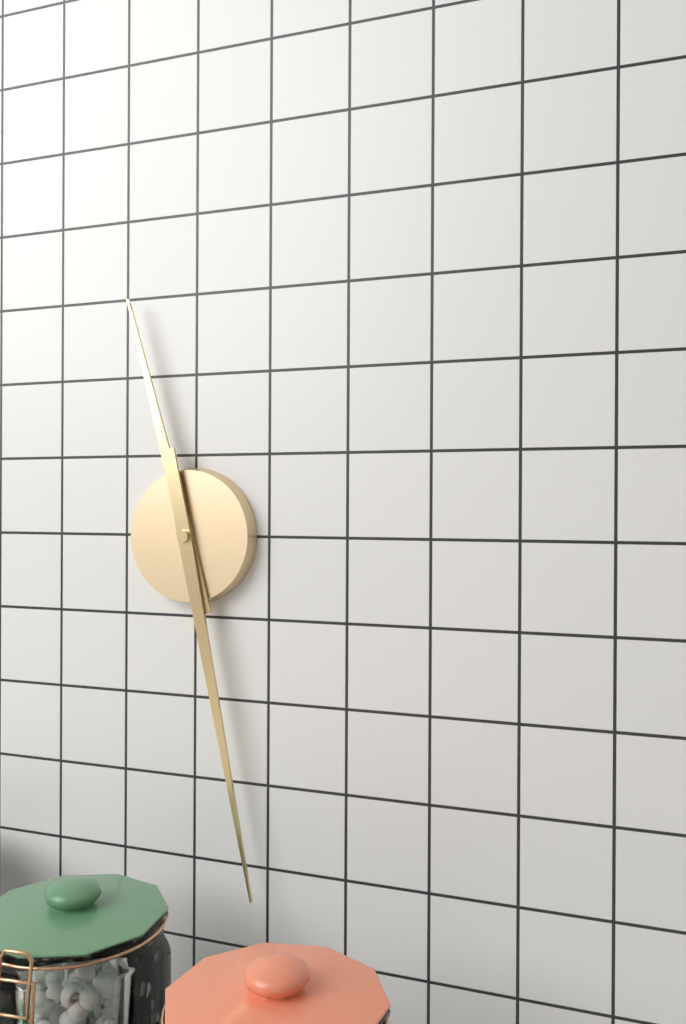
11h28
